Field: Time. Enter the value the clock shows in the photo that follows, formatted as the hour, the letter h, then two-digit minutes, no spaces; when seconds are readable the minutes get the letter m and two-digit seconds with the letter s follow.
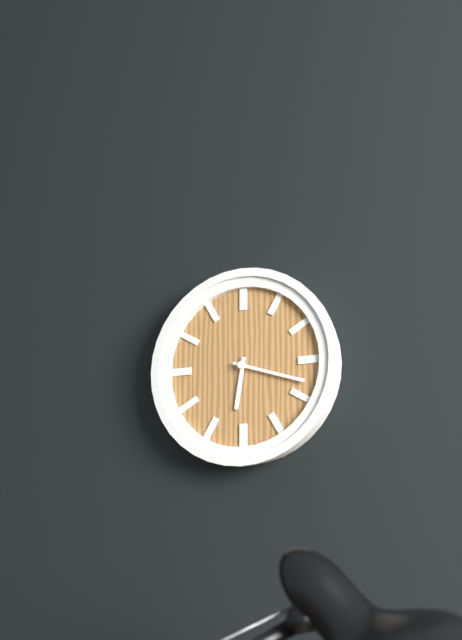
6h18
